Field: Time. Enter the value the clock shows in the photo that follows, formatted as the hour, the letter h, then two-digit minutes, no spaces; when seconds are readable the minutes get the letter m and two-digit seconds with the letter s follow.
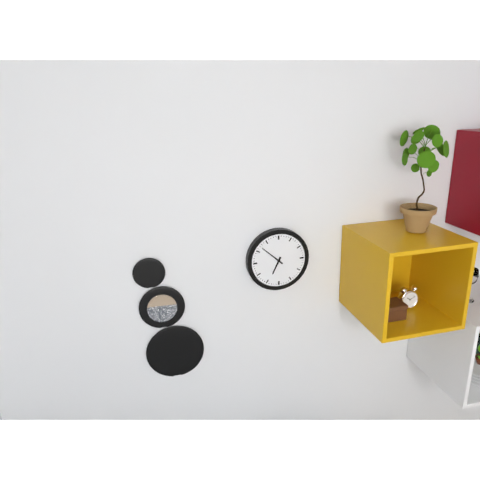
6h52
